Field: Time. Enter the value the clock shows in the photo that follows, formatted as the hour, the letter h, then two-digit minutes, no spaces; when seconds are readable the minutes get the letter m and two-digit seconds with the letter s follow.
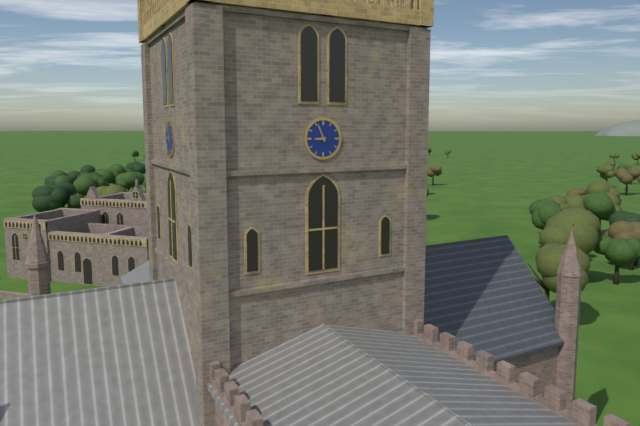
8h56
